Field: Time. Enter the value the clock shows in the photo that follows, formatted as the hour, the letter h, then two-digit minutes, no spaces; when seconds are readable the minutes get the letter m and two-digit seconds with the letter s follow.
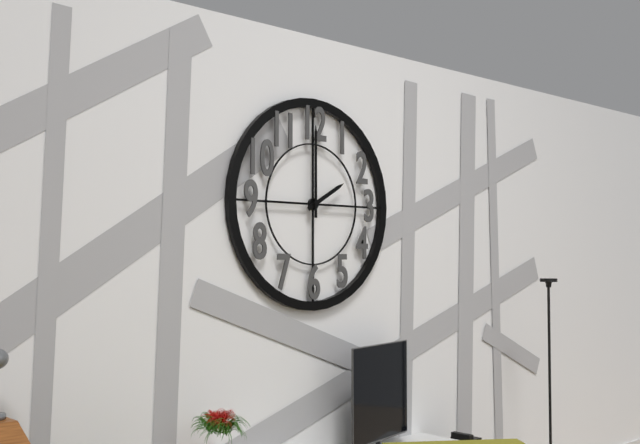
2h00
